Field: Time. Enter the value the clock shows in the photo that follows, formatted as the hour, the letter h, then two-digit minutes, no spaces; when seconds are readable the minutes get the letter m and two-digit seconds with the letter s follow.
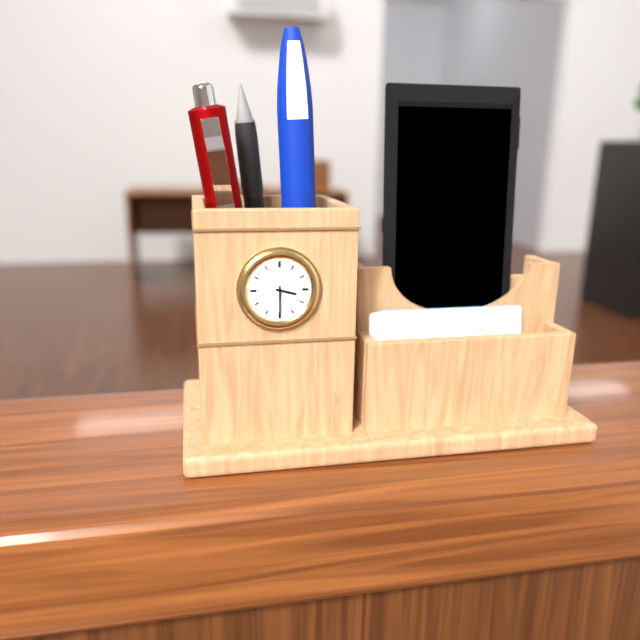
3h30
